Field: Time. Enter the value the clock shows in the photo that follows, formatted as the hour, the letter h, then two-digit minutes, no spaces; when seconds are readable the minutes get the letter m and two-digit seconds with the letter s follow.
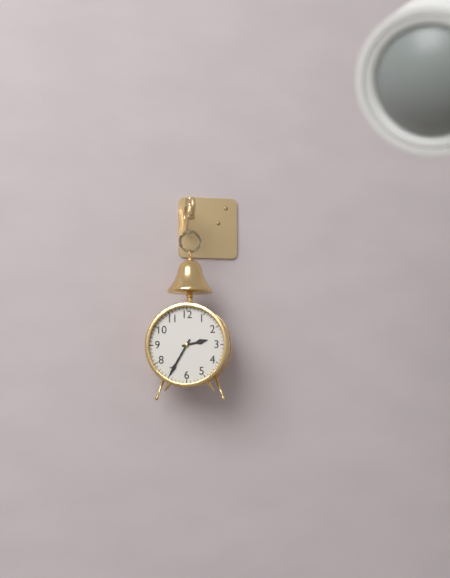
2h35
